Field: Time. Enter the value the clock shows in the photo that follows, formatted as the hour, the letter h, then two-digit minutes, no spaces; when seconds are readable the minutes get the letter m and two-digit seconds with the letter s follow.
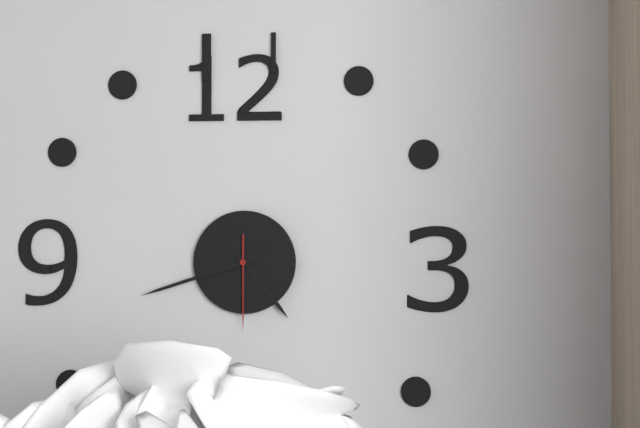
4h42m30s
